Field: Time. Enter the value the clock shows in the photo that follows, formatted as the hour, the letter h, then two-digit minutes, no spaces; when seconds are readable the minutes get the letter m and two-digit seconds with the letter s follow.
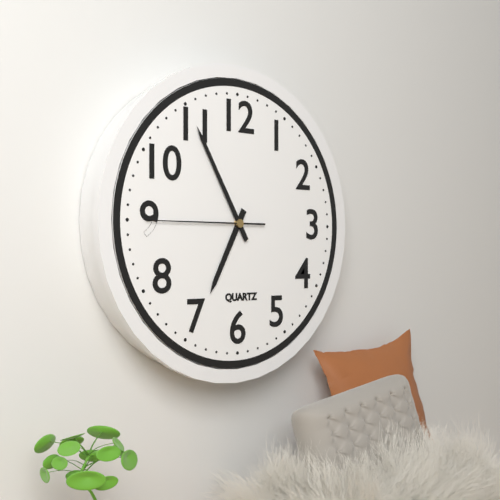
6h55m45s
